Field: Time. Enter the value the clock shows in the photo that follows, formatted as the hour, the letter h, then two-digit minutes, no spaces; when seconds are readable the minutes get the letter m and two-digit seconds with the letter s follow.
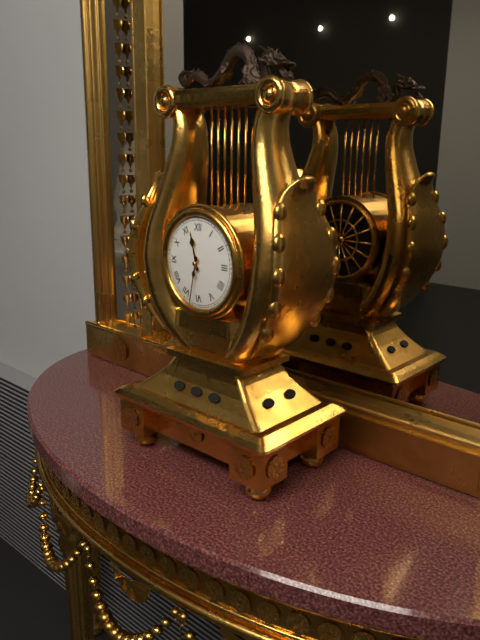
11h32
